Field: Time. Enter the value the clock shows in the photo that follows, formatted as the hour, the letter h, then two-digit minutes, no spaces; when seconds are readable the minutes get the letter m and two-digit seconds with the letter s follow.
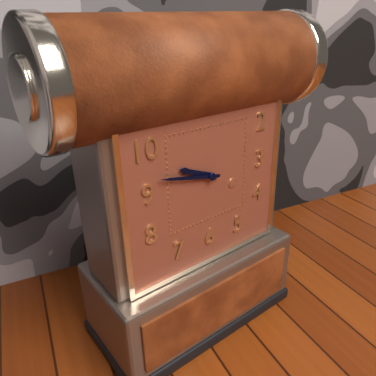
9h47
